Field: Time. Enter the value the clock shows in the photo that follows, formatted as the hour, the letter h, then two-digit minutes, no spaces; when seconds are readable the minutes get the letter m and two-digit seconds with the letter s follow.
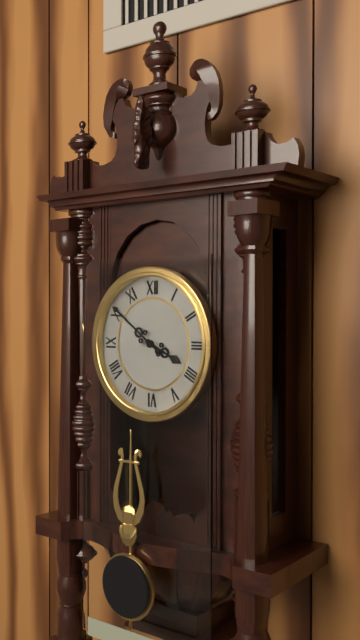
3h51
